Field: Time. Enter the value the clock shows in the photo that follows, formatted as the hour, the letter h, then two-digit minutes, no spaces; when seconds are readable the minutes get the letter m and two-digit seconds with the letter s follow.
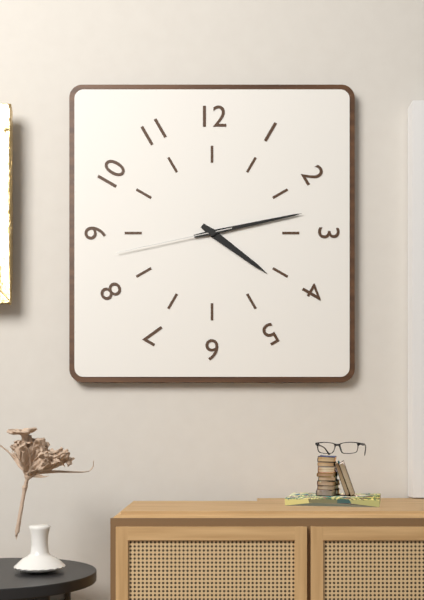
4h13m43s
